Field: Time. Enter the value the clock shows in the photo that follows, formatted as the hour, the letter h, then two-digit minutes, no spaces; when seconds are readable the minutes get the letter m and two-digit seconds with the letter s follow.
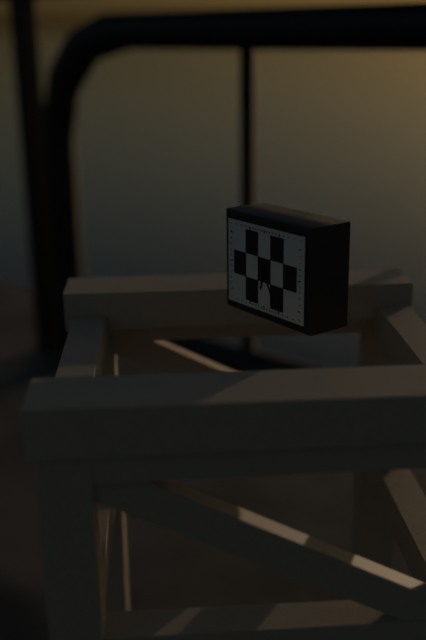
6h25
